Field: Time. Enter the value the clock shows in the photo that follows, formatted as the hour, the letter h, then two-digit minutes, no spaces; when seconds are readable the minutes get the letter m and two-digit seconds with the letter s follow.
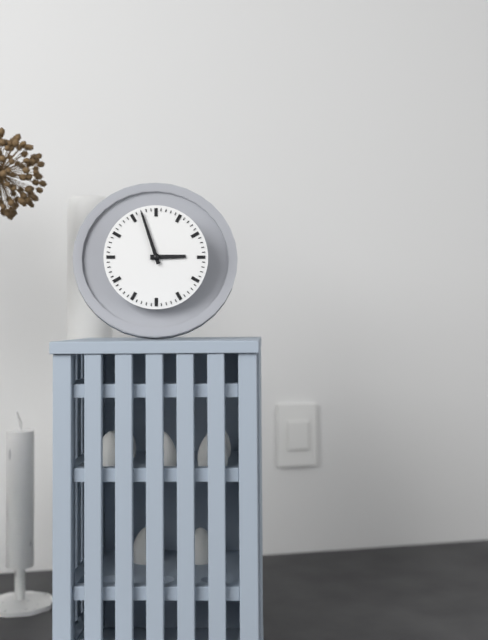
2h57
